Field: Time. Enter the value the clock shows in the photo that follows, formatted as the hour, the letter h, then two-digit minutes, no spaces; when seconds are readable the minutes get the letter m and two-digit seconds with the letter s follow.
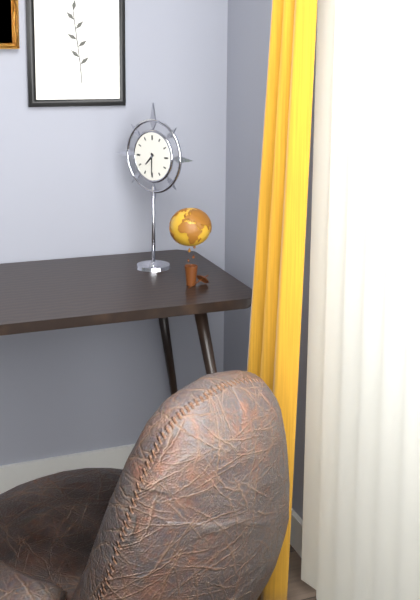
7h30
